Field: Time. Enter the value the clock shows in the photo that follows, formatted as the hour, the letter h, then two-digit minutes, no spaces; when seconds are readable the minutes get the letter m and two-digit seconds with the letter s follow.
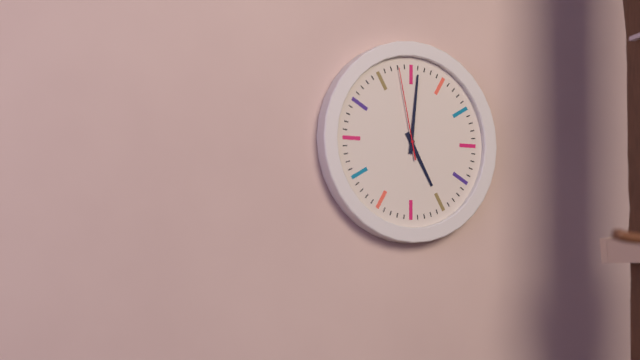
5h01m58s
